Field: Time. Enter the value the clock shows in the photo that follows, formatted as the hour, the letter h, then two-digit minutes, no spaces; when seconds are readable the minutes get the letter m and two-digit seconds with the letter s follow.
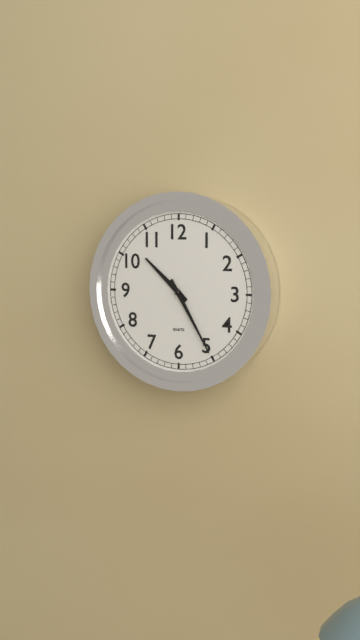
10h25
